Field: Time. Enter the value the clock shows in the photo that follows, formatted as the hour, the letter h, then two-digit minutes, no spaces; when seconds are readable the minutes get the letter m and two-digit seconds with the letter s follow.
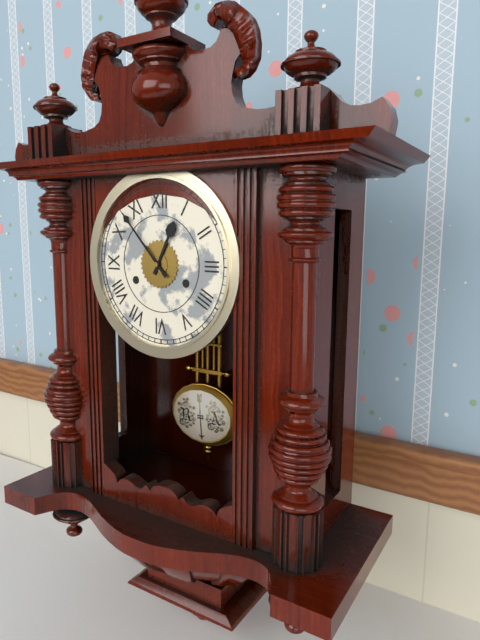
12h53
